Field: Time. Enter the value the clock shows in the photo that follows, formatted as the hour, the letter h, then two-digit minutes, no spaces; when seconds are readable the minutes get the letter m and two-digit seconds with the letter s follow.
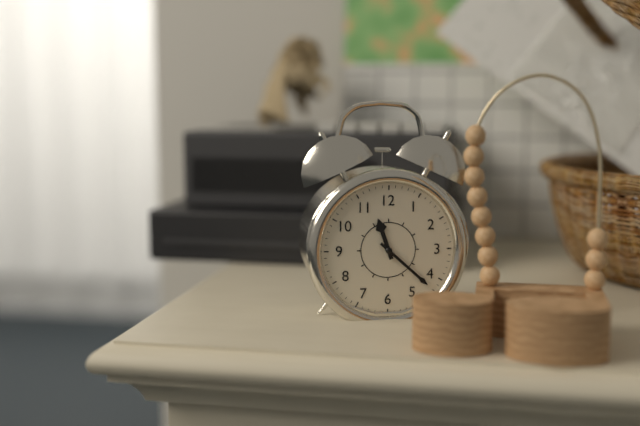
11h22
